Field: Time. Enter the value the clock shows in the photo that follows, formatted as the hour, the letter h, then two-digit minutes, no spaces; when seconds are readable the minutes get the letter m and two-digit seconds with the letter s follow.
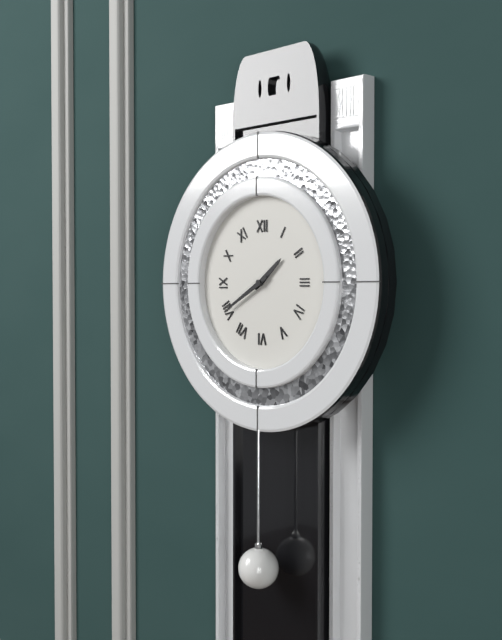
1h40
